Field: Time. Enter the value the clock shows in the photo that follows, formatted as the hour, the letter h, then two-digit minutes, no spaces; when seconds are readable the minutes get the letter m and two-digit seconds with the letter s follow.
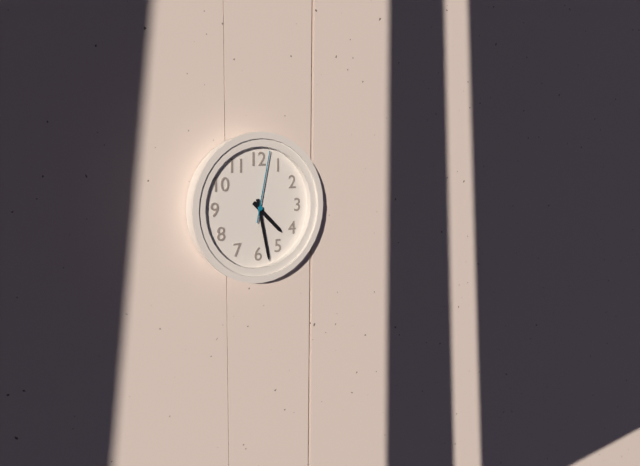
4h28m02s
